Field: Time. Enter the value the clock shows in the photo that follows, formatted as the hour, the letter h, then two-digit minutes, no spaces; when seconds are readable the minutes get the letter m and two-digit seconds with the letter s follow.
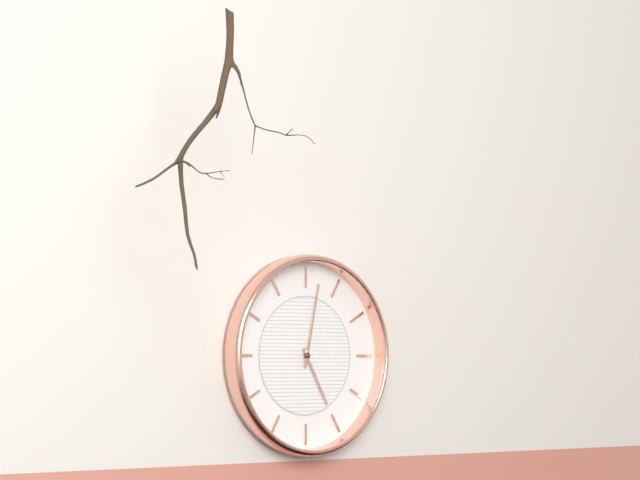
5h02
